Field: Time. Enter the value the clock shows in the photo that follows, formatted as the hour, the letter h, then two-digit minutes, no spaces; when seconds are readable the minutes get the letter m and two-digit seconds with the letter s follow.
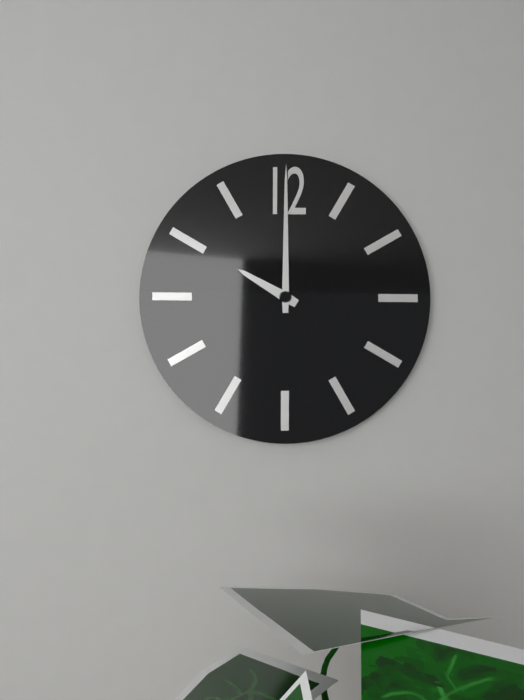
10h00
